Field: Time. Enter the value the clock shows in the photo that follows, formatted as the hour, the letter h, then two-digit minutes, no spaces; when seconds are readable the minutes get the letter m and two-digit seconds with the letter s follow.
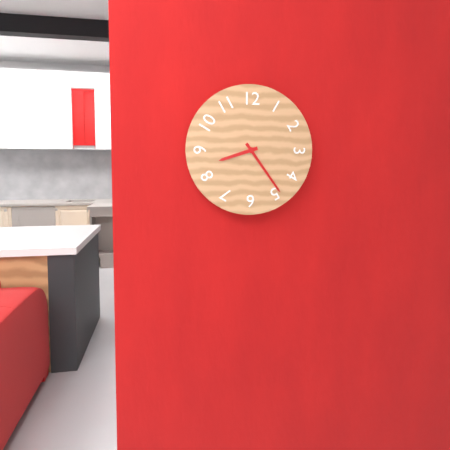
8h24
